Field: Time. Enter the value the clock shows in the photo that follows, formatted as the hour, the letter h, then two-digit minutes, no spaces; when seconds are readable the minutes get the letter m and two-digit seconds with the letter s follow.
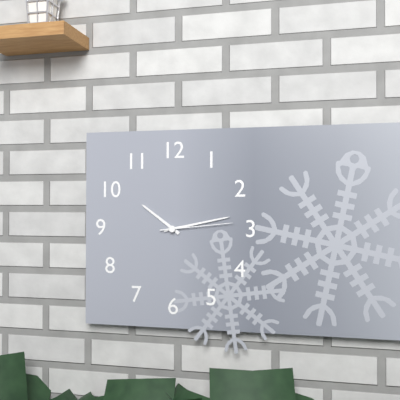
10h13m14s
